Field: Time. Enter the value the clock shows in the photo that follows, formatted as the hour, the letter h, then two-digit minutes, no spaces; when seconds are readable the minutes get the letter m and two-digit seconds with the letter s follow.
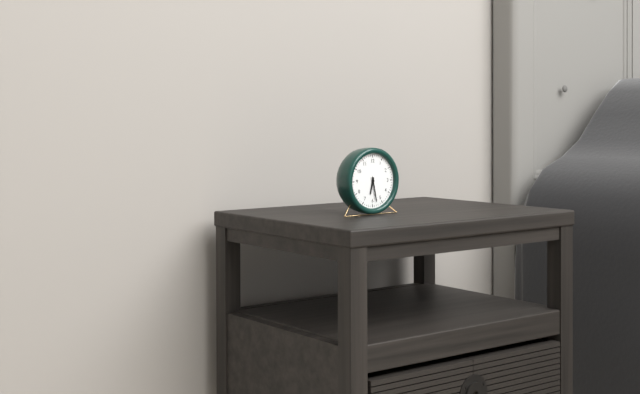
6h28
